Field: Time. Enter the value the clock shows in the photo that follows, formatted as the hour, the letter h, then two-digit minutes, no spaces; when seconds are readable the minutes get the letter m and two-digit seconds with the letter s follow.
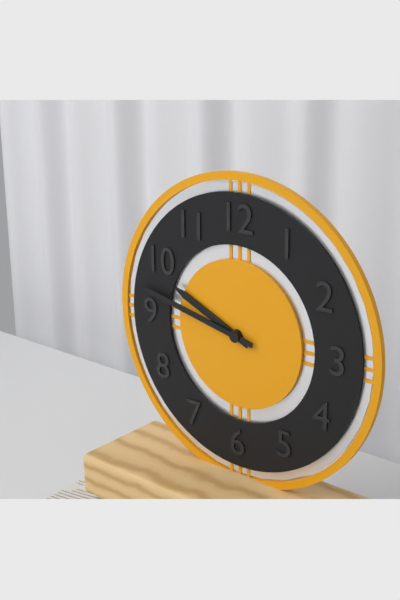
9h47
